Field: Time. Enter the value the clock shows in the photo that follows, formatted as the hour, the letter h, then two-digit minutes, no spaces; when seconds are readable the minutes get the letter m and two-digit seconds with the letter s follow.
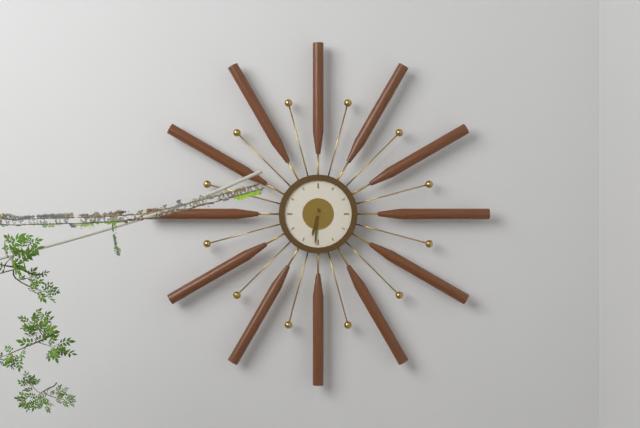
6h31
